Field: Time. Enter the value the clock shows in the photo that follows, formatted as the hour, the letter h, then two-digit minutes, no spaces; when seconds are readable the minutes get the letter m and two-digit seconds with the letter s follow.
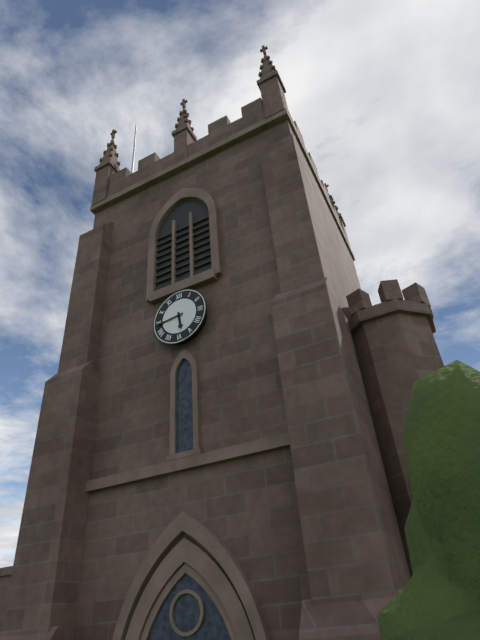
5h44
